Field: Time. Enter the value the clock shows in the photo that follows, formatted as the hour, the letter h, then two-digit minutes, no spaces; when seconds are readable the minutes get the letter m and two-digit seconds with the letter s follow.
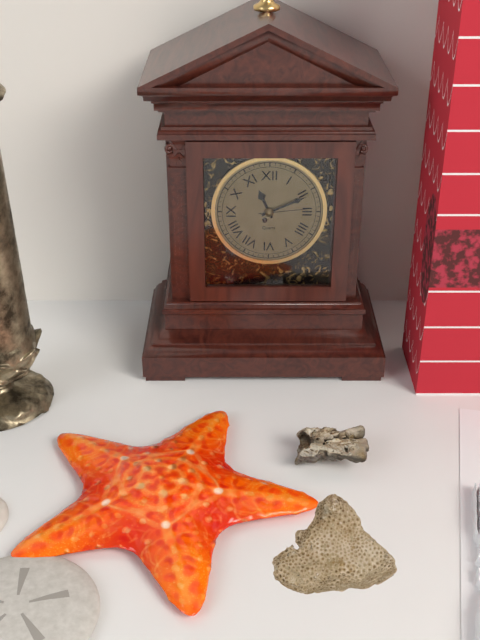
11h11m14s
